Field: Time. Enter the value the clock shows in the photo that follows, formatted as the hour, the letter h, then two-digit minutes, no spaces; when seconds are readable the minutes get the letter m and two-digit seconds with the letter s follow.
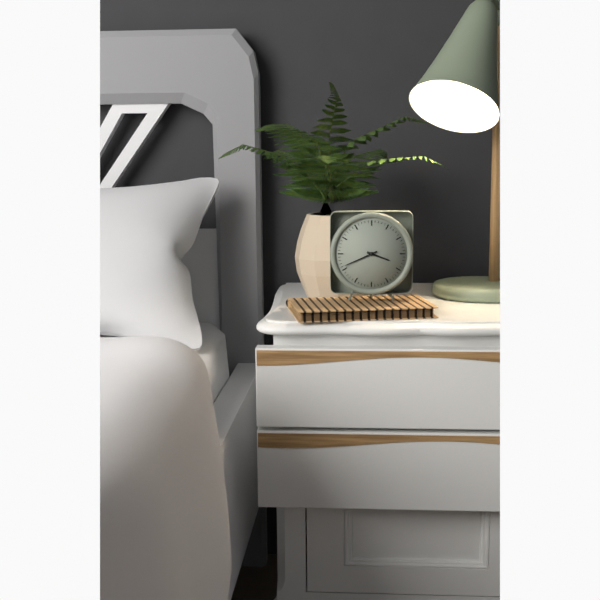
3h41
